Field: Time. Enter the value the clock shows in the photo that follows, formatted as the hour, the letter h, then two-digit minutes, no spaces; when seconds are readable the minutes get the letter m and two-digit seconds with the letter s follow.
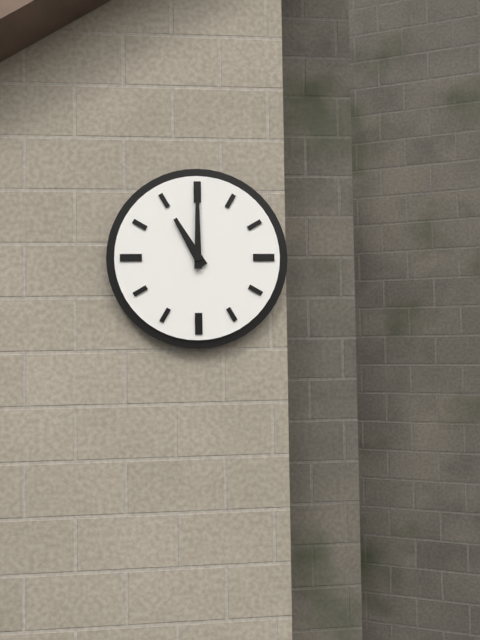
11h00
